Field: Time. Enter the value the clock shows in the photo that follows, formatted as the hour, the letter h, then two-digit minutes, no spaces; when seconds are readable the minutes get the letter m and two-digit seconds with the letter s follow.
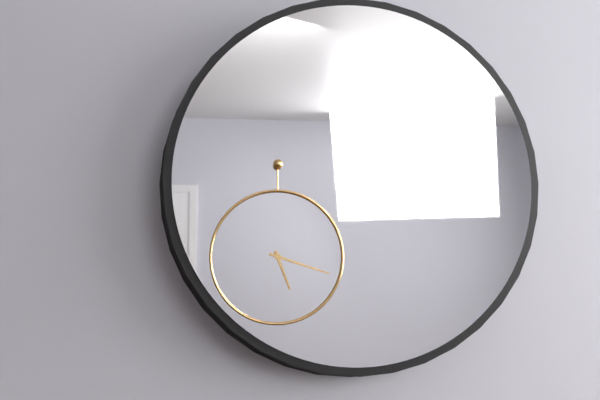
5h18
